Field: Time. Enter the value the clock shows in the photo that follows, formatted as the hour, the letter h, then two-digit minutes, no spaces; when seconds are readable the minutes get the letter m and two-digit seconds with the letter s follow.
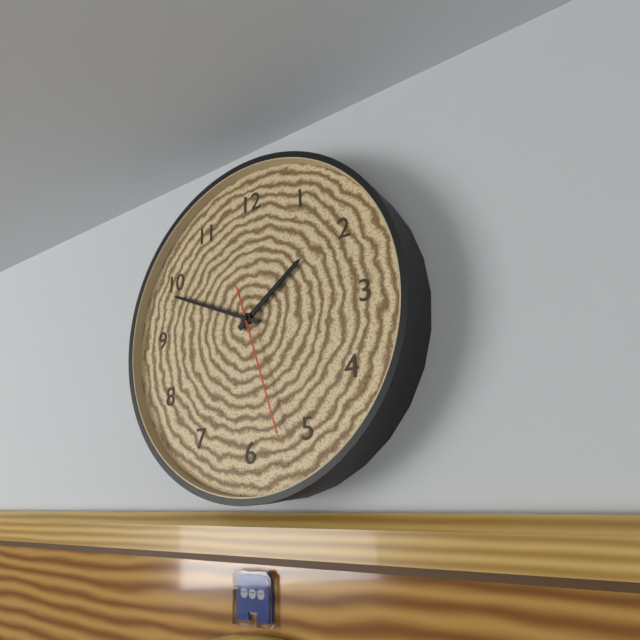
1h49m27s
